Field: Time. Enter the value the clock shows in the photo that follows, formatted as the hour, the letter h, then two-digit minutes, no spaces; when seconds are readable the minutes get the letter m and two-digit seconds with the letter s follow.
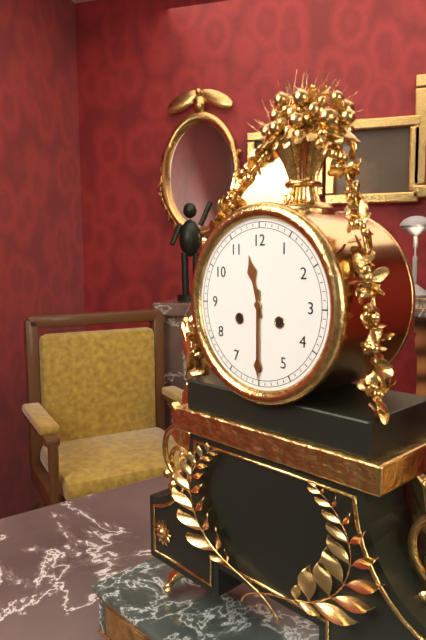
11h30
